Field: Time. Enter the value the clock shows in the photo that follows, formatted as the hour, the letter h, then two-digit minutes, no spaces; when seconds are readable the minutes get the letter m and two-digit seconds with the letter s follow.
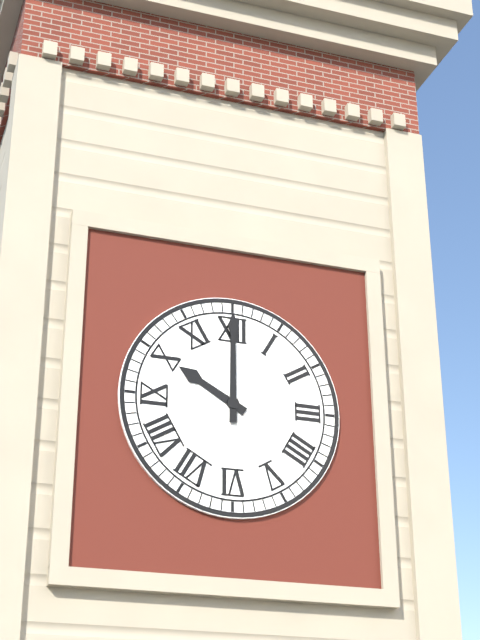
10h00
